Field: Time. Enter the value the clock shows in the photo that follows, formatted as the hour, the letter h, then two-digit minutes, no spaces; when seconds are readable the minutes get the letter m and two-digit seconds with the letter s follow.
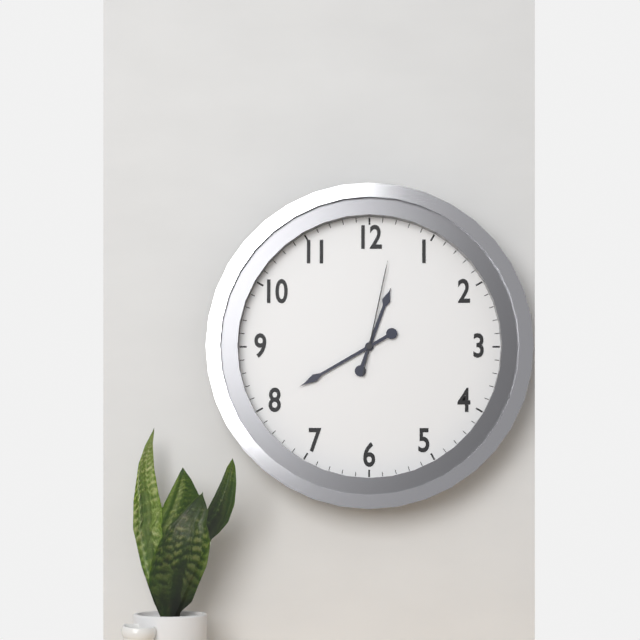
12h40m02s
